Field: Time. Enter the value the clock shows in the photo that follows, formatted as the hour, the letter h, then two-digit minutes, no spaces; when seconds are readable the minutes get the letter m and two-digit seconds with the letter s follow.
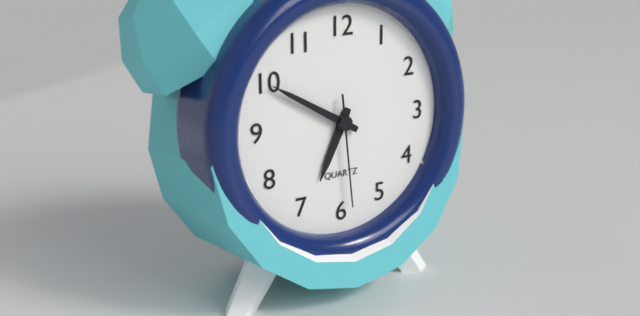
6h50m29s
